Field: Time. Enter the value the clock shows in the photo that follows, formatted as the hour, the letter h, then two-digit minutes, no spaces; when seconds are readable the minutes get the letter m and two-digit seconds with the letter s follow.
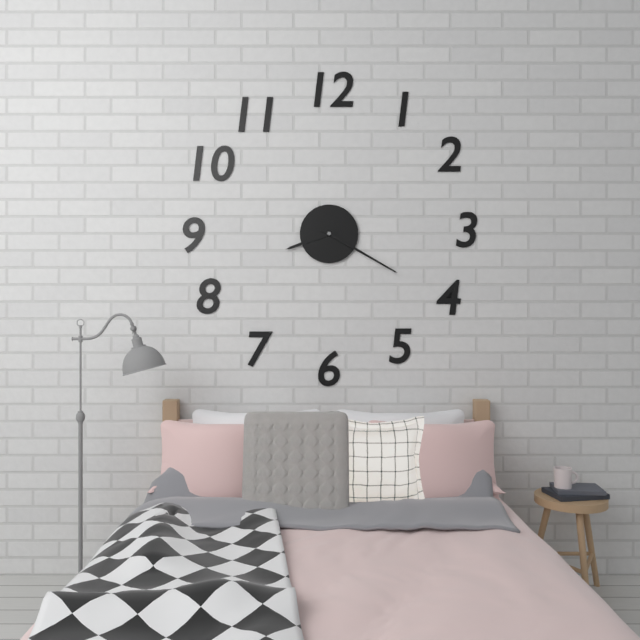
8h20
